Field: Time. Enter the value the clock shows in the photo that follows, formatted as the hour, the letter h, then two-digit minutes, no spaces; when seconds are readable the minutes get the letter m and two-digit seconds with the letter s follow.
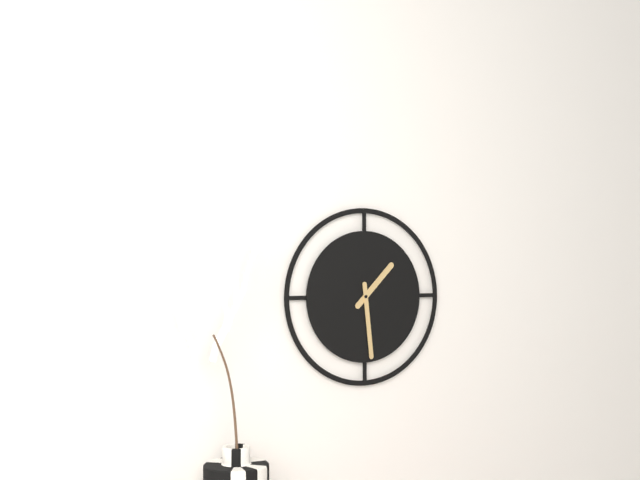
1h29
